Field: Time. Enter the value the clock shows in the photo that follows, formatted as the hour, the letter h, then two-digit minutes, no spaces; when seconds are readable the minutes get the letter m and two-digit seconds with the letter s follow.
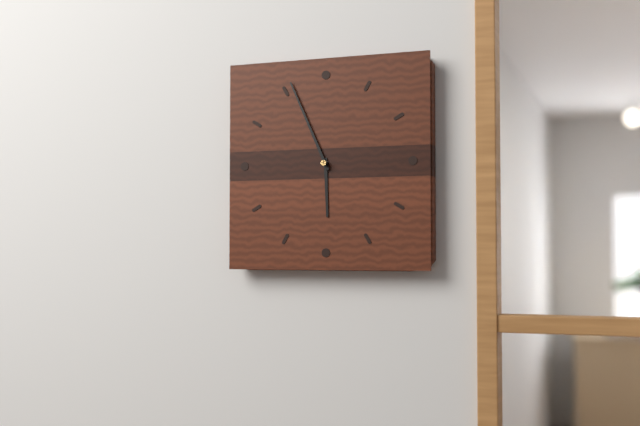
5h56
